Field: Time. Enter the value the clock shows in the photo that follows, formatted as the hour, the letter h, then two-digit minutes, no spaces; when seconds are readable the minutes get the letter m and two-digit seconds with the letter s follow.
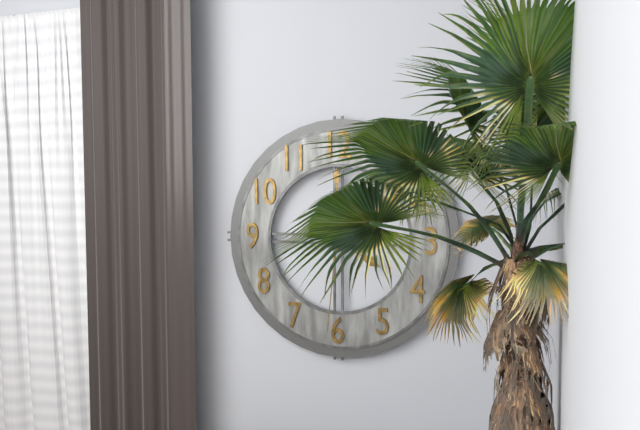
4h00m31s
